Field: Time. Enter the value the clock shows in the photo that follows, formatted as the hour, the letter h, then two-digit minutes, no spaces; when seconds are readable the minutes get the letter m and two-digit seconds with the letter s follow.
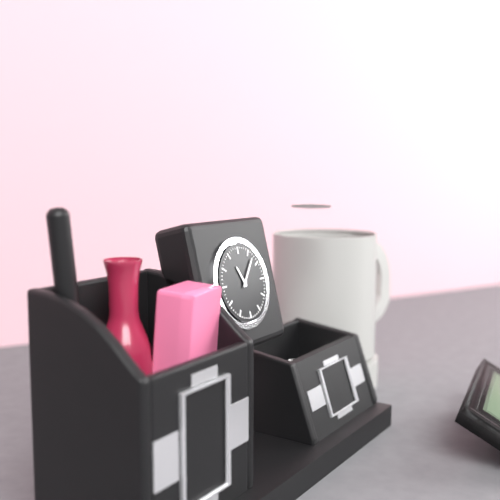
11h07
